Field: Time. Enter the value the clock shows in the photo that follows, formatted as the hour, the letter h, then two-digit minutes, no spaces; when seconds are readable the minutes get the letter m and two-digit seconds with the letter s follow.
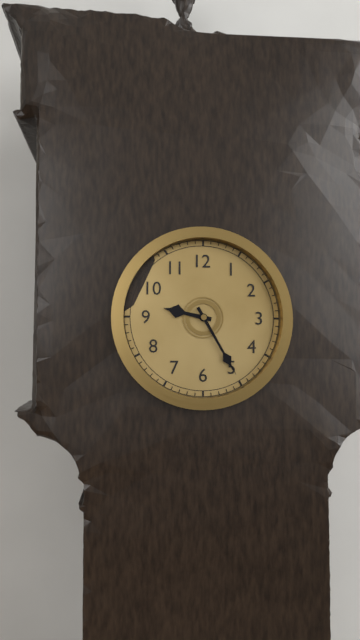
9h25
